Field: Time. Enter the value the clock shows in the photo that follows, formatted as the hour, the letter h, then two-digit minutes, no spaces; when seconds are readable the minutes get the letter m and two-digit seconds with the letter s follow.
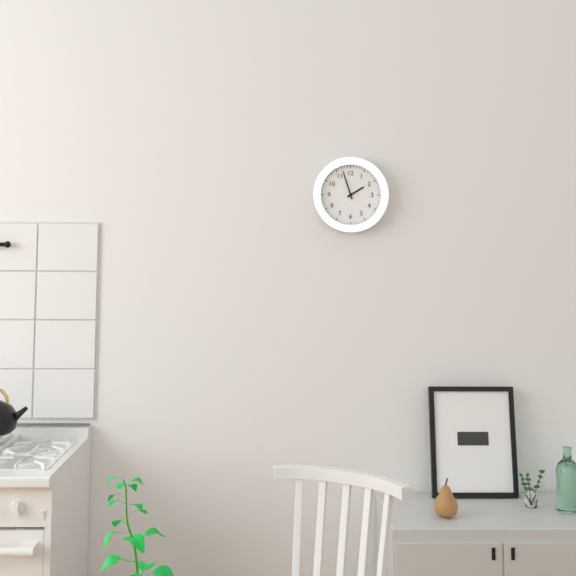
1h57
